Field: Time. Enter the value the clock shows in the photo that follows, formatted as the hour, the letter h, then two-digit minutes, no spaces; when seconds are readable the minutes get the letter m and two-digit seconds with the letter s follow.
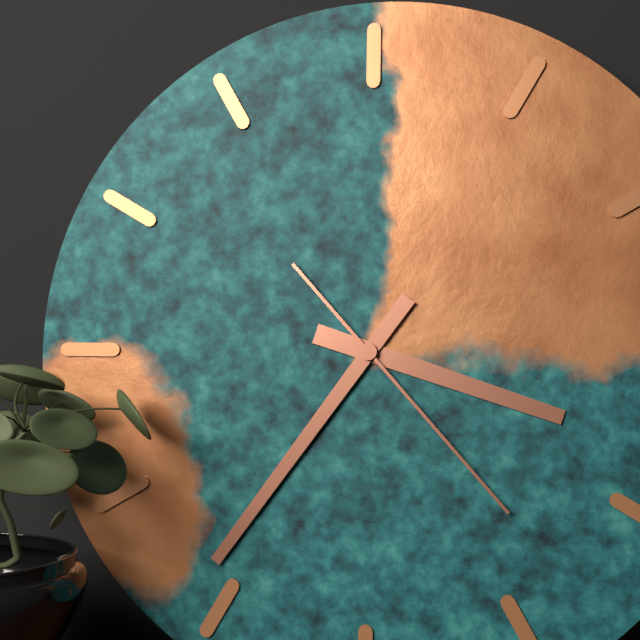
3h36m23s
